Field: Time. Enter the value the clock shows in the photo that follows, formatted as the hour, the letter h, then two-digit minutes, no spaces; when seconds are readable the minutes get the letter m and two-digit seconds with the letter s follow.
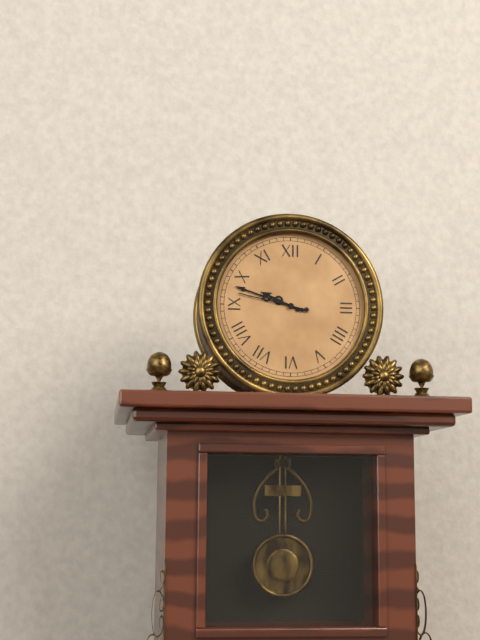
9h48m47s
